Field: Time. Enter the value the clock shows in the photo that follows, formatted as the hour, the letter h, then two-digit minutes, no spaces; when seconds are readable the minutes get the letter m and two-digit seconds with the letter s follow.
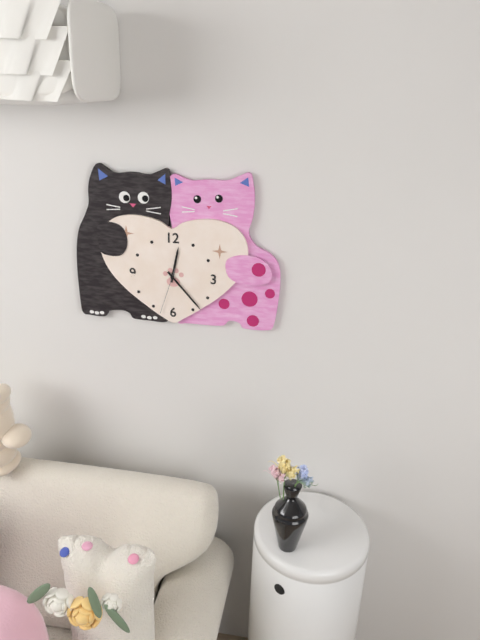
12h23m33s
